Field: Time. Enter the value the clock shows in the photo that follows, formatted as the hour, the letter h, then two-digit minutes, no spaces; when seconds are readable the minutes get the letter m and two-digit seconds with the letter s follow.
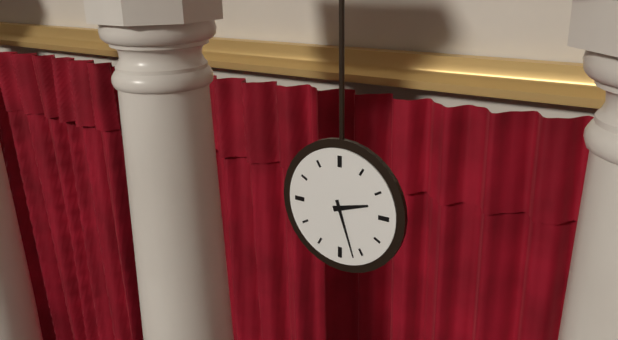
2h27
